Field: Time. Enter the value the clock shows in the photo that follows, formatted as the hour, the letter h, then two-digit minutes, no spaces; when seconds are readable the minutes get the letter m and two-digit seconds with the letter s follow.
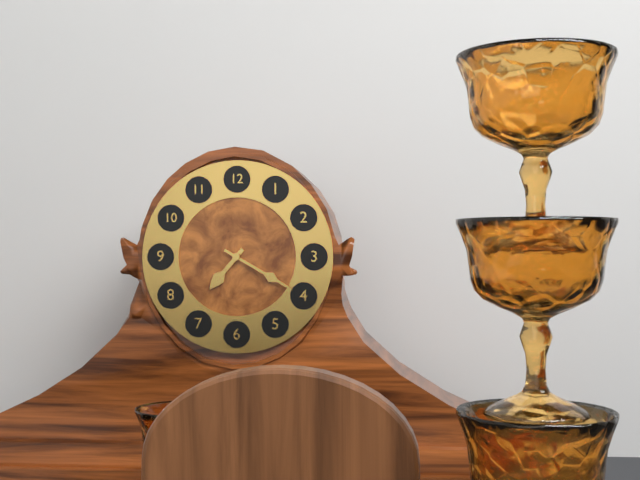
7h20
